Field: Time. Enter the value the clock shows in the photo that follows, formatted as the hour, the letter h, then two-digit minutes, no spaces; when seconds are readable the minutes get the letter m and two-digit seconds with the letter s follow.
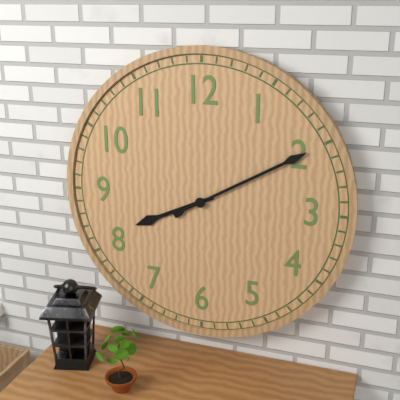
8h10
